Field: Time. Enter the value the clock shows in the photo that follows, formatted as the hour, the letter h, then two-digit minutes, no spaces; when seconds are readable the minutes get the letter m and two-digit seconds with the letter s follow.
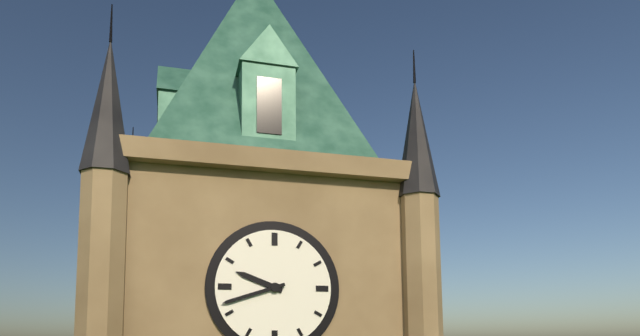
9h42
